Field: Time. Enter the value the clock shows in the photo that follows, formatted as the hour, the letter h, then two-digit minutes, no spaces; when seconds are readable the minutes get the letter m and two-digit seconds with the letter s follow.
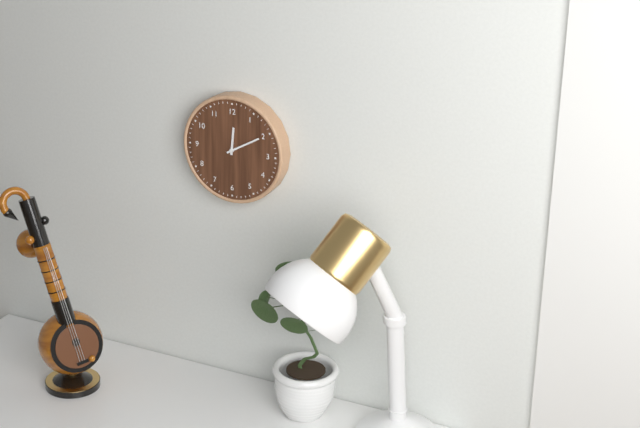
12h10
